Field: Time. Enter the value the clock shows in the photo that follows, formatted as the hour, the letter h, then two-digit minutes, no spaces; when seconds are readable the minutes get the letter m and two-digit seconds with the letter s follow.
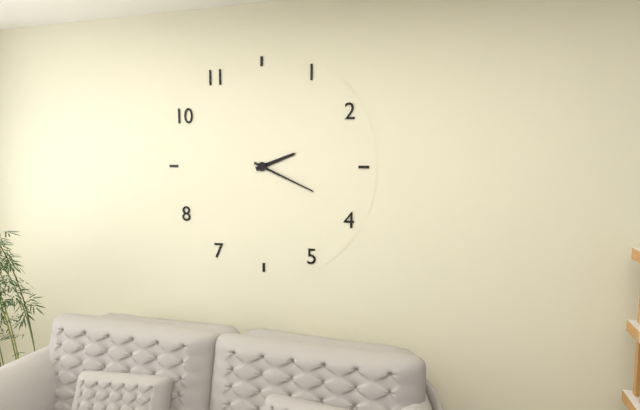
2h19
